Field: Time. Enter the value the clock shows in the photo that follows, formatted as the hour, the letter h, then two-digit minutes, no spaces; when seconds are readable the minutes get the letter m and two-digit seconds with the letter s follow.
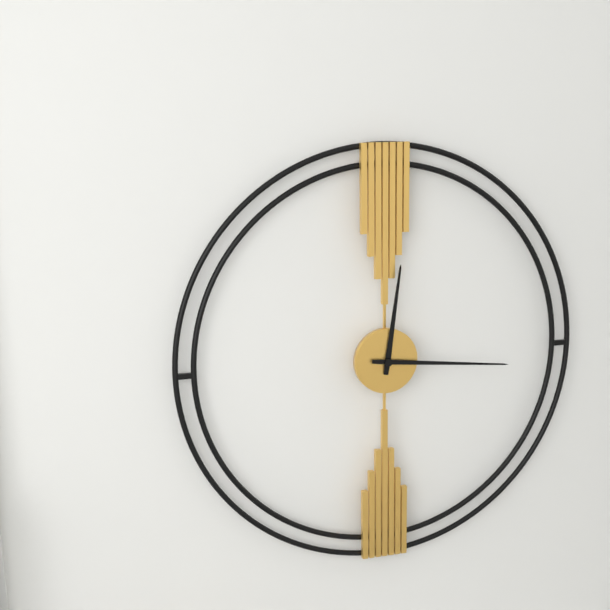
12h16
